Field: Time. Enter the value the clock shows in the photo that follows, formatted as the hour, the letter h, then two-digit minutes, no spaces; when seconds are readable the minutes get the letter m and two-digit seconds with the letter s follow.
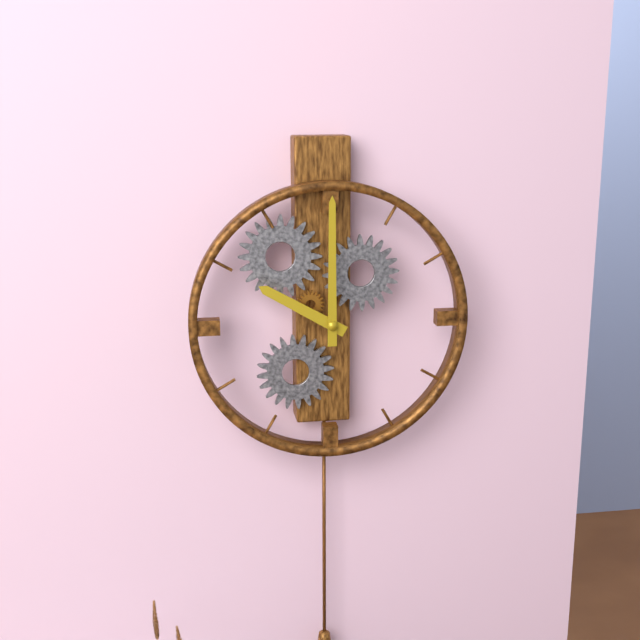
10h00
